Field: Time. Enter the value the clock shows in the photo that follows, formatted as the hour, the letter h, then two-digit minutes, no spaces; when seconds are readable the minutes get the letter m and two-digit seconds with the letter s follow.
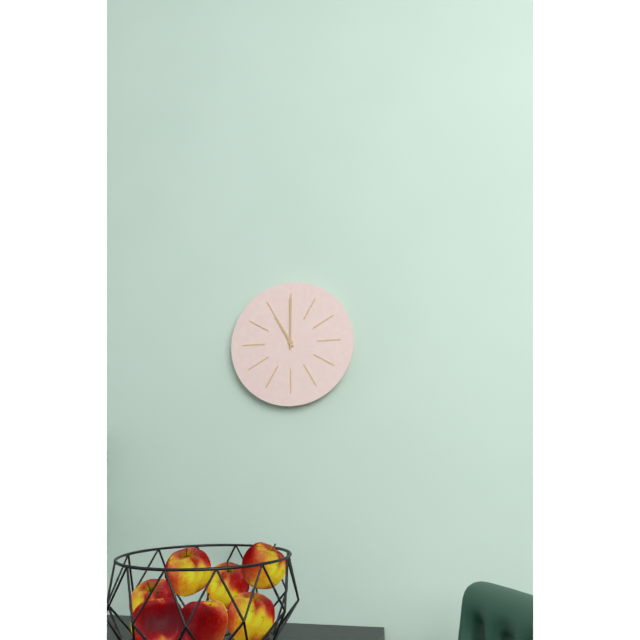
11h00
